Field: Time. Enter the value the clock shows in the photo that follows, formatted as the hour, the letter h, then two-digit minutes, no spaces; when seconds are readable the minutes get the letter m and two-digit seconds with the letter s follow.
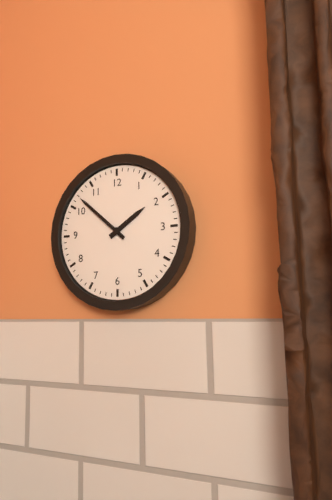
1h52
